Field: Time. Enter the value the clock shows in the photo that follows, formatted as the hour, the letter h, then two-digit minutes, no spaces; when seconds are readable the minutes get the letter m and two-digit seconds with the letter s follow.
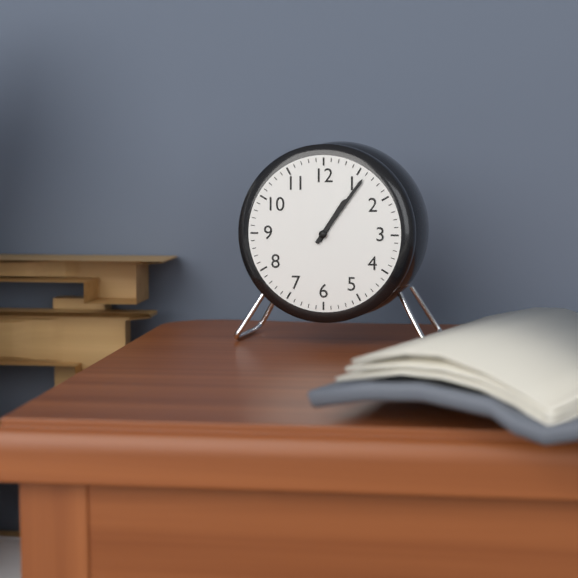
1h06
